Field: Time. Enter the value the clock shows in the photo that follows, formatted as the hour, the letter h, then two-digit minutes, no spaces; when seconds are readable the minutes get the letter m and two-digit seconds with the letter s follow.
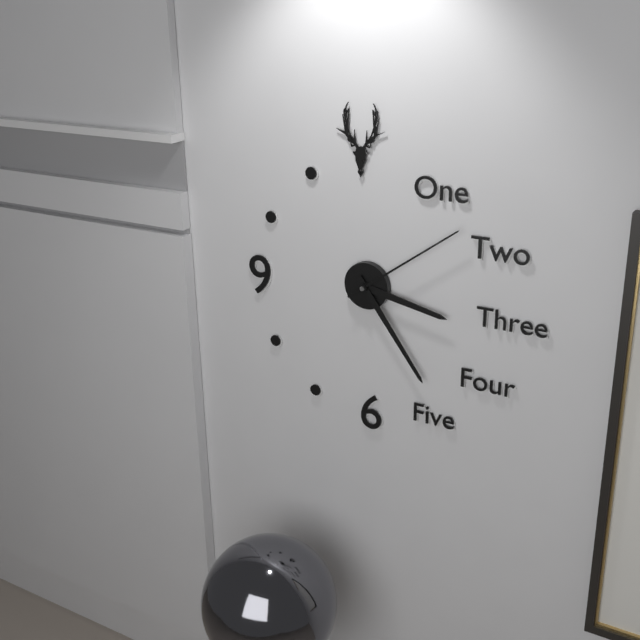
3h24m09s
